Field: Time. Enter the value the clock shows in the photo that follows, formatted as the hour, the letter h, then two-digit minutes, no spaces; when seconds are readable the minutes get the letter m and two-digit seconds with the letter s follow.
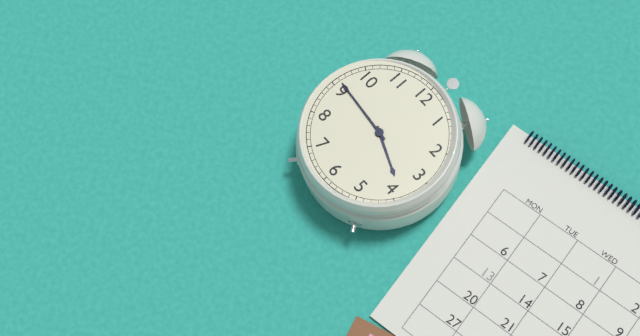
3h46
